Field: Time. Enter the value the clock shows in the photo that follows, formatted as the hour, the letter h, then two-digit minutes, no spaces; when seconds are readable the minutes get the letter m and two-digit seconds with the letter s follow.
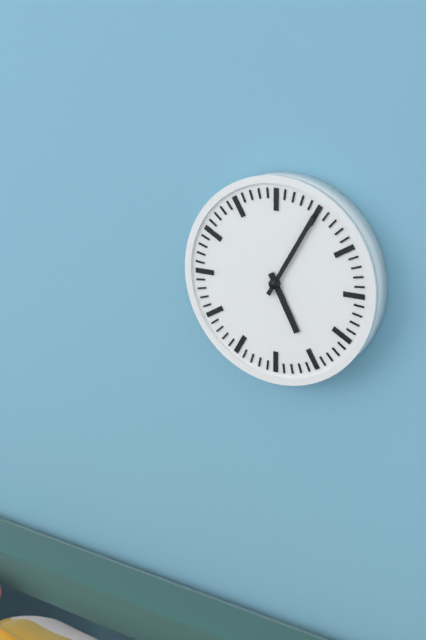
5h05
